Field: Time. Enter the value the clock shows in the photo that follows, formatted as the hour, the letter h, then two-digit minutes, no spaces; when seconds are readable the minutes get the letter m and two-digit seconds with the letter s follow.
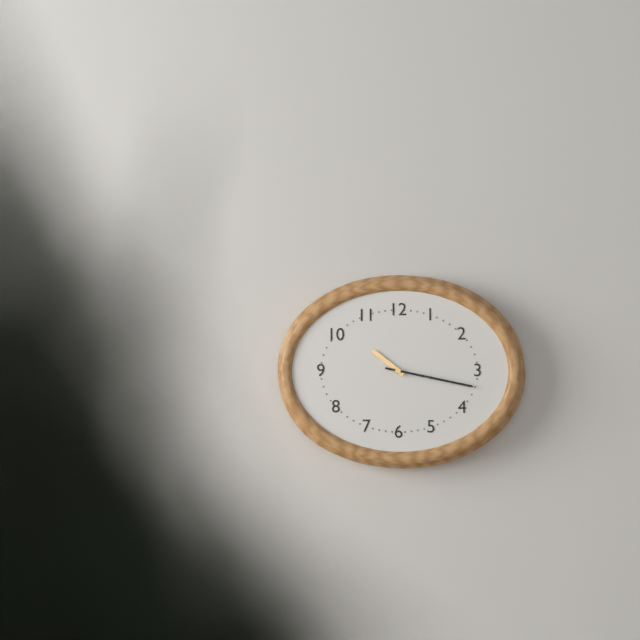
10h17
